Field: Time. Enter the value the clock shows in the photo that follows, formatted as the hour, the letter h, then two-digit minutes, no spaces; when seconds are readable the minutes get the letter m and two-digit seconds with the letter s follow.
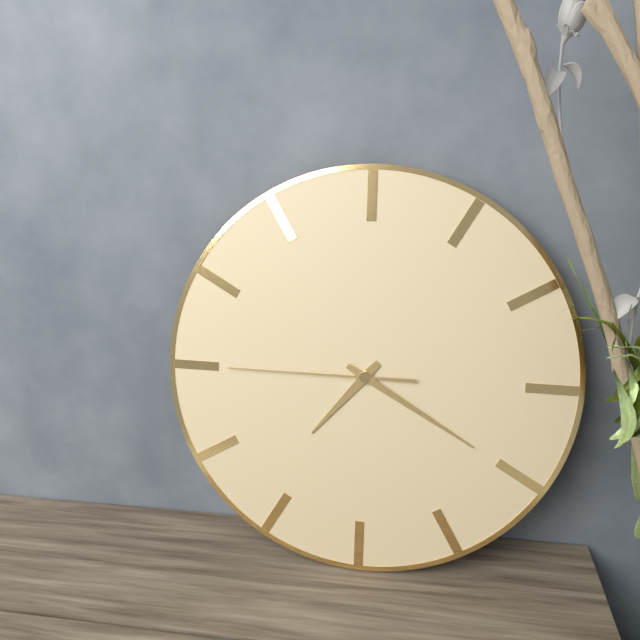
7h20m45s
